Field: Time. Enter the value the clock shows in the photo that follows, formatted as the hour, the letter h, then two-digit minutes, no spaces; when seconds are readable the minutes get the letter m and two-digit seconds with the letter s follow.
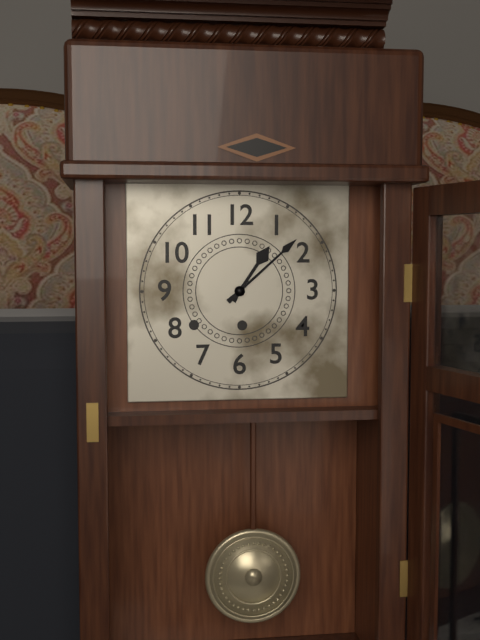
1h08
